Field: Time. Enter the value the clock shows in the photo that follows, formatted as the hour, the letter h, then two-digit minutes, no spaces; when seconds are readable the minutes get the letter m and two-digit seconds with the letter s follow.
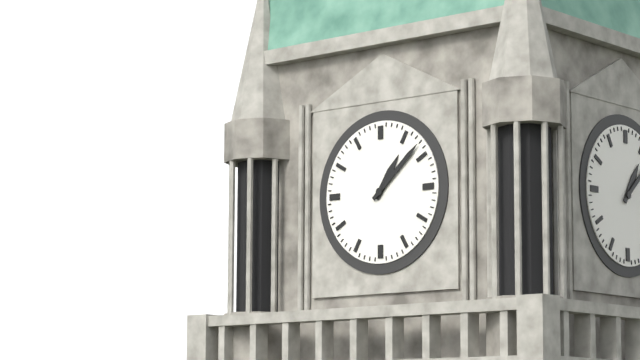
1h08
